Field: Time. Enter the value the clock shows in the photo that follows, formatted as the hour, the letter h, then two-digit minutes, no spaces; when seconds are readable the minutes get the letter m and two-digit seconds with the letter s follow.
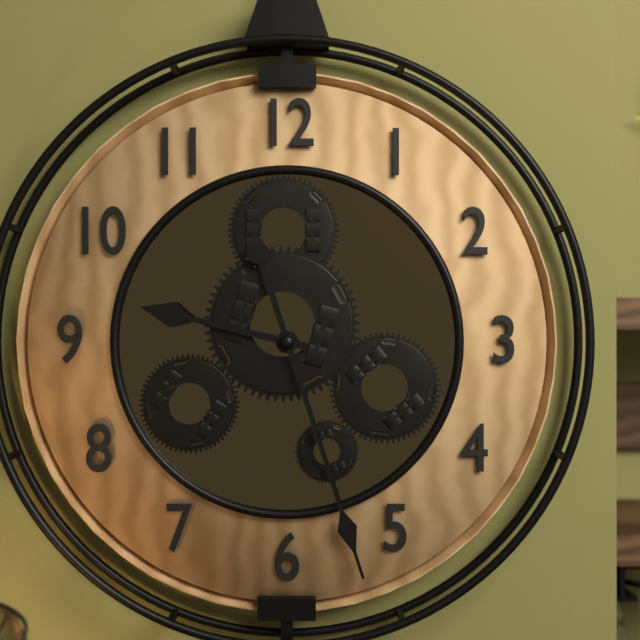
9h27
